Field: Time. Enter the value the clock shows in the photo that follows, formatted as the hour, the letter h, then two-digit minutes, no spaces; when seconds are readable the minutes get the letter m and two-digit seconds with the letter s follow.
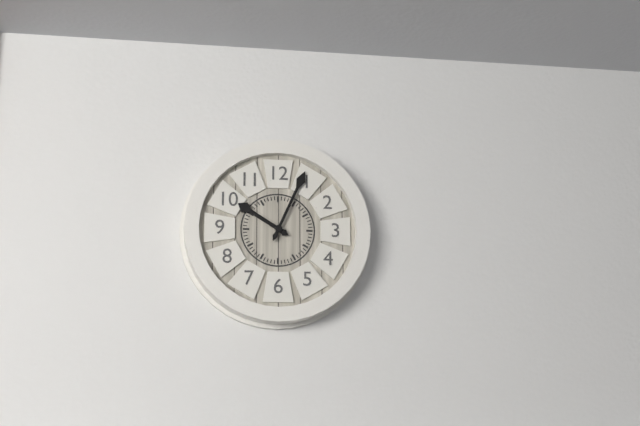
10h04
